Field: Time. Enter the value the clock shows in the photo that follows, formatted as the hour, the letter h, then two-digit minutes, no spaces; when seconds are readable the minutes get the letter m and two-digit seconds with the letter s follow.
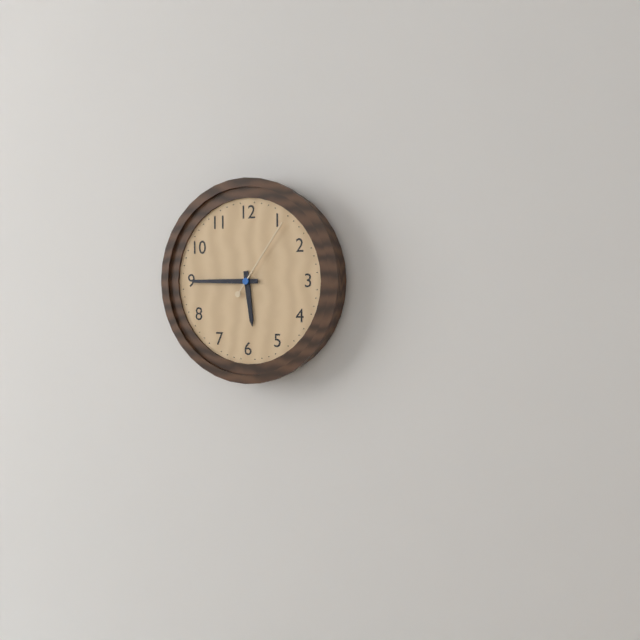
5h45m06s
